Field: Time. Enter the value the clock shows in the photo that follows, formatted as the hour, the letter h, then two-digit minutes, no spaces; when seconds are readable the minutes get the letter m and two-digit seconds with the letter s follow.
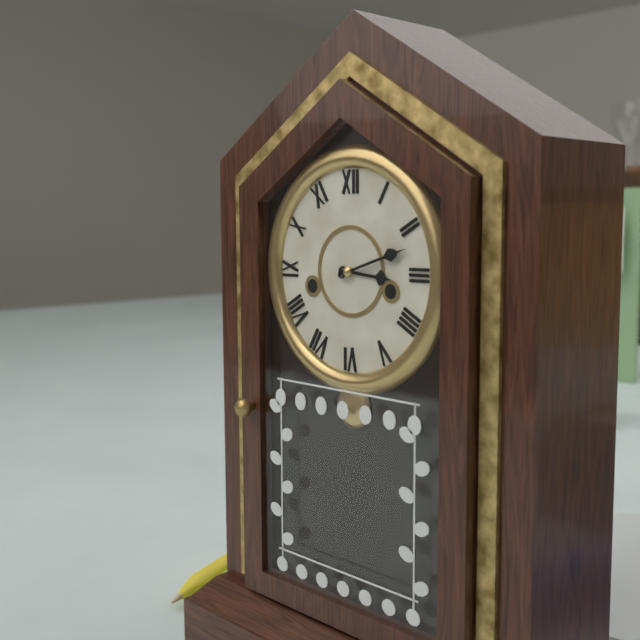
3h12
